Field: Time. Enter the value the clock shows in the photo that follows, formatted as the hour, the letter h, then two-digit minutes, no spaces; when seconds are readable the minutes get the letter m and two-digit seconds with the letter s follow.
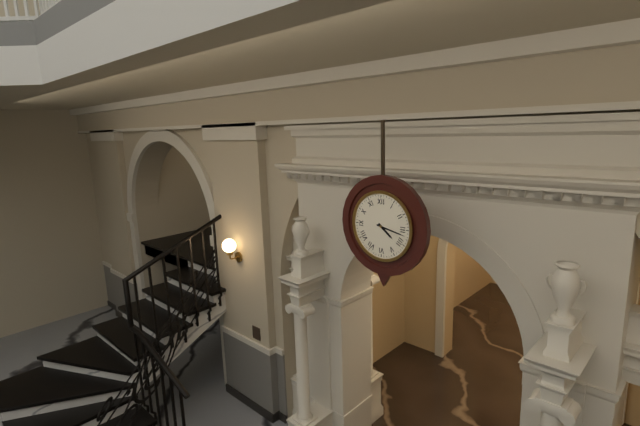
4h17
